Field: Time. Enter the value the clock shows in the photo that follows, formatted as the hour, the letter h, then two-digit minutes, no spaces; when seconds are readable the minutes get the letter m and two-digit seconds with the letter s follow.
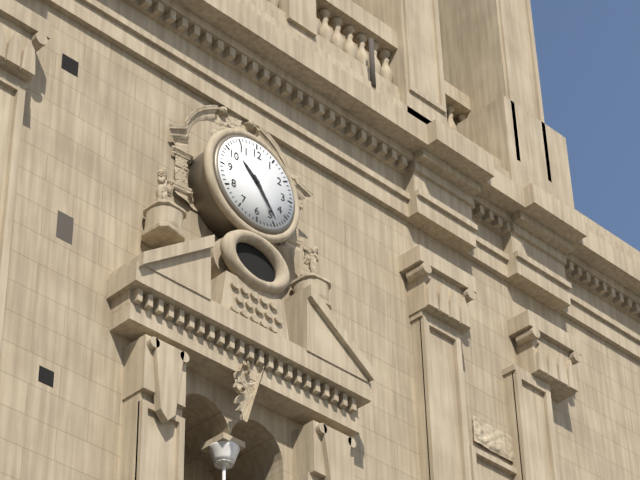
10h24
